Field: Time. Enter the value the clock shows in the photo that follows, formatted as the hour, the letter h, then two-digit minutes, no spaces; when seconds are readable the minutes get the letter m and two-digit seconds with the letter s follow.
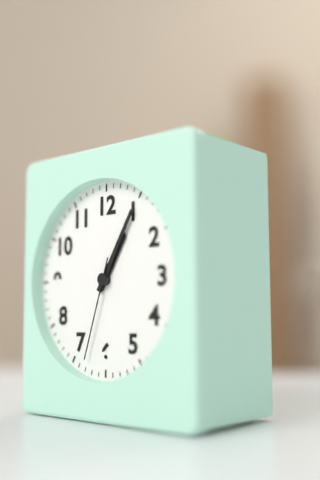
1h05m33s
